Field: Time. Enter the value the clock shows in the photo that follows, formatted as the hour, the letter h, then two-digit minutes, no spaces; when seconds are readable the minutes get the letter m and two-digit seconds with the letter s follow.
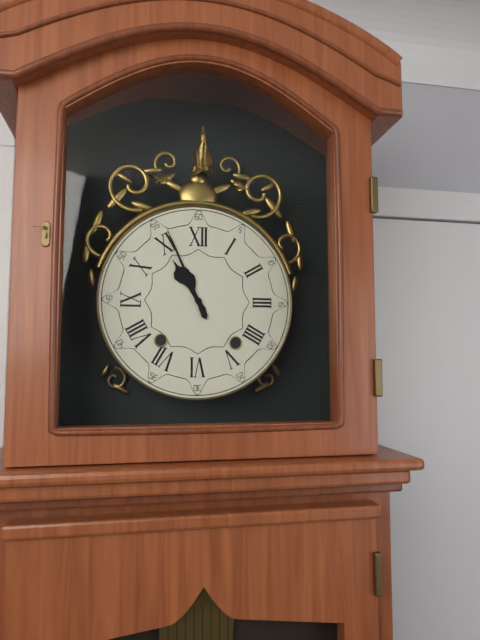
10h56
